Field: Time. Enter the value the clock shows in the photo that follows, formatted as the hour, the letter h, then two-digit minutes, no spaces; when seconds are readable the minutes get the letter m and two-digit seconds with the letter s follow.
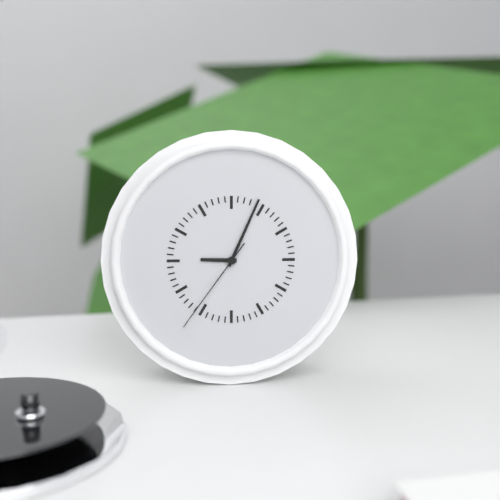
9h04m36s
